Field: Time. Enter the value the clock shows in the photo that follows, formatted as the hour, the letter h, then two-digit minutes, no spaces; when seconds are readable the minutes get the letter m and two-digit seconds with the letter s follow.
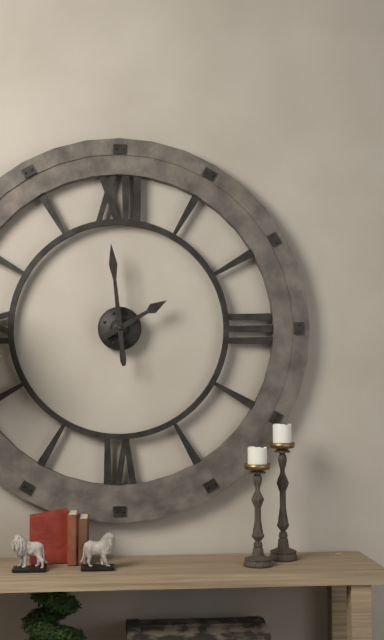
1h59
